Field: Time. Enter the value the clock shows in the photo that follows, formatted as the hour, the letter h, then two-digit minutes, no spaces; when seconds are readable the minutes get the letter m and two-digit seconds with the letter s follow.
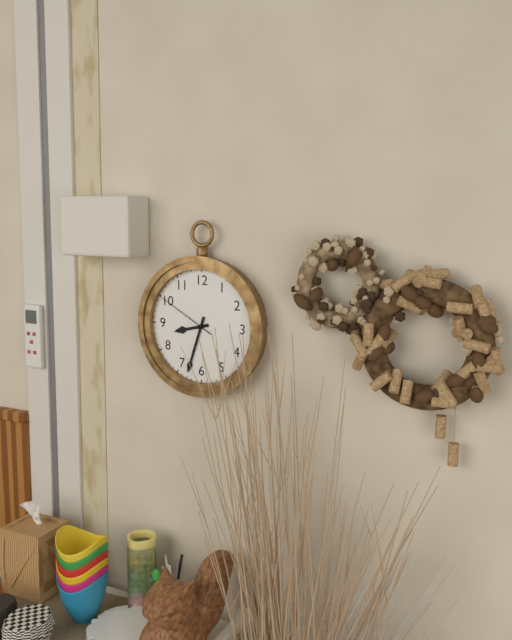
8h33m50s
